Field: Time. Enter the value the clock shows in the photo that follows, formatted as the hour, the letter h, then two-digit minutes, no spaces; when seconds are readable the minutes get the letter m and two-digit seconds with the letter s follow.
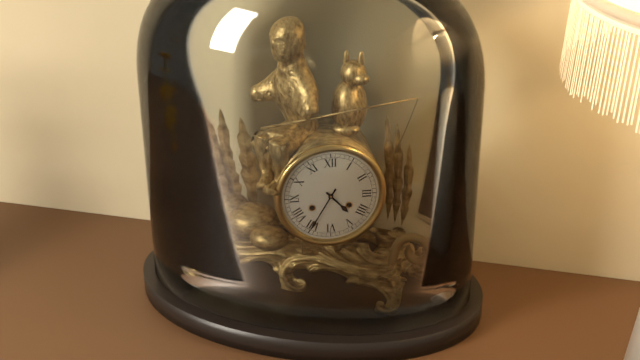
4h35
